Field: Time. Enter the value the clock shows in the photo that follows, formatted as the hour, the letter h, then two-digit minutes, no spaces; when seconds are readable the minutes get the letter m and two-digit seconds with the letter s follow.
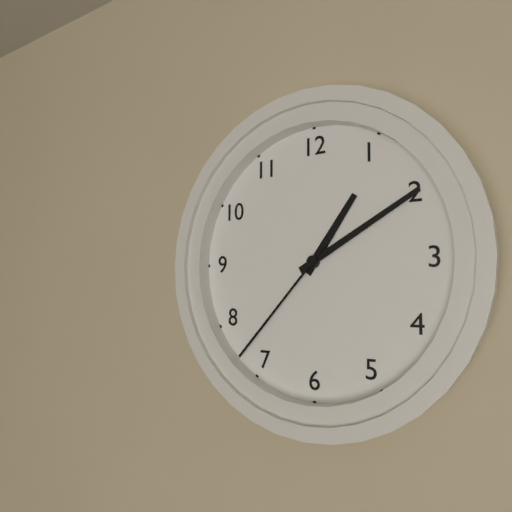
1h10m37s
